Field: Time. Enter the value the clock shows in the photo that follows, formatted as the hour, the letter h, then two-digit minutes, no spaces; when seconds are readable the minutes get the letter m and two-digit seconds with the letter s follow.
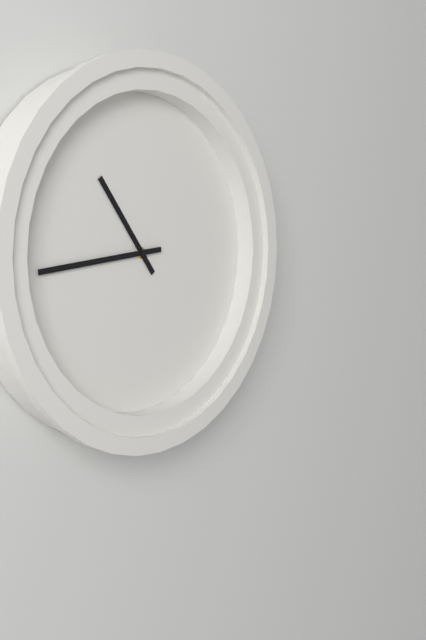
10h44
